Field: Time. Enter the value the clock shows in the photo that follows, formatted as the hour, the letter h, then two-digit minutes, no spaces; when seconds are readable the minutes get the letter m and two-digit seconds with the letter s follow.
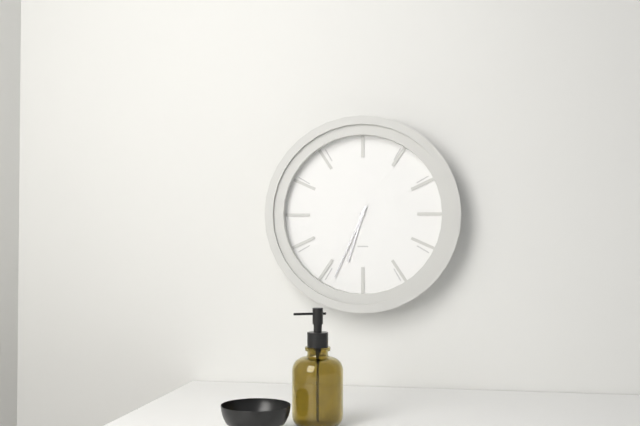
6h34
